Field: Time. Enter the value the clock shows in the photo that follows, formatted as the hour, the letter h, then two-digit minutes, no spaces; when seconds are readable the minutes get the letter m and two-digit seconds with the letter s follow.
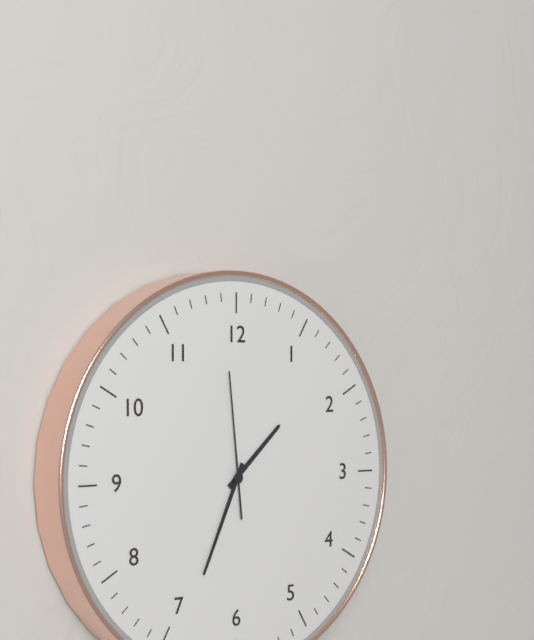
1h34m59s
